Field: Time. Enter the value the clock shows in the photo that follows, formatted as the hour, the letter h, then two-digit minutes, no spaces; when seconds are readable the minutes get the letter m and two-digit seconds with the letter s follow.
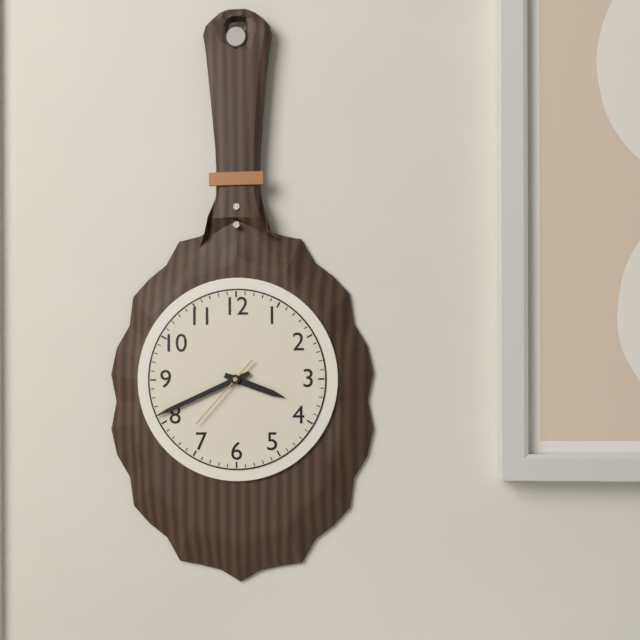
3h41m37s
